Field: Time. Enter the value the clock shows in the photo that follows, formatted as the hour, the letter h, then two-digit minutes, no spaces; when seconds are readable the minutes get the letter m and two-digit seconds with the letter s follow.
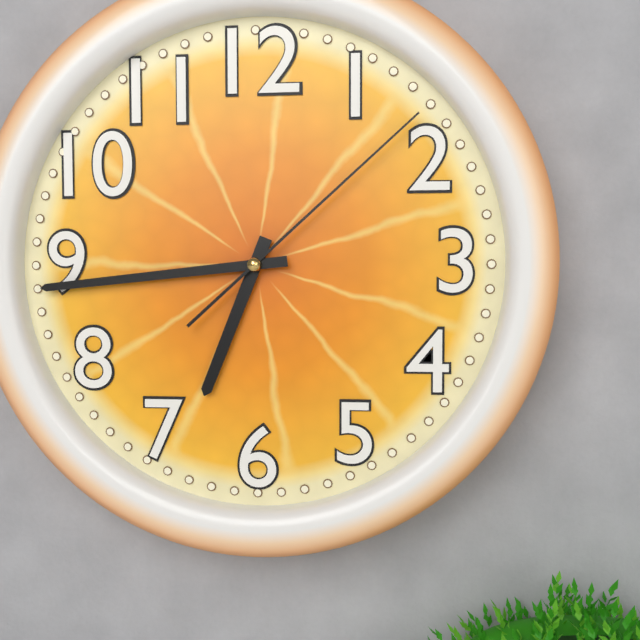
6h44m08s
